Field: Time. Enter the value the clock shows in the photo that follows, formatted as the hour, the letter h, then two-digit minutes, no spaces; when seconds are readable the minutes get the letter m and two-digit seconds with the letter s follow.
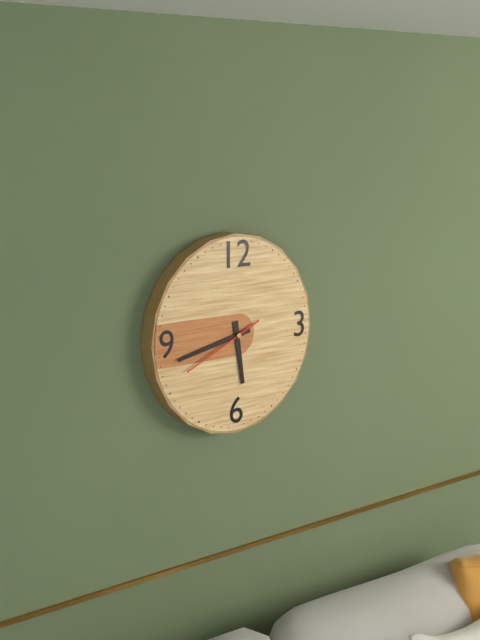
5h43m41s
